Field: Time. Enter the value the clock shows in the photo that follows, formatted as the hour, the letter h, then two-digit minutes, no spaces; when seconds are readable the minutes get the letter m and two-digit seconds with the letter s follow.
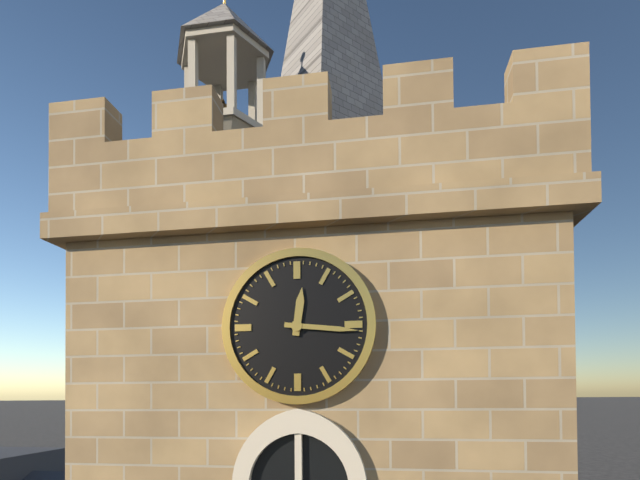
12h16
